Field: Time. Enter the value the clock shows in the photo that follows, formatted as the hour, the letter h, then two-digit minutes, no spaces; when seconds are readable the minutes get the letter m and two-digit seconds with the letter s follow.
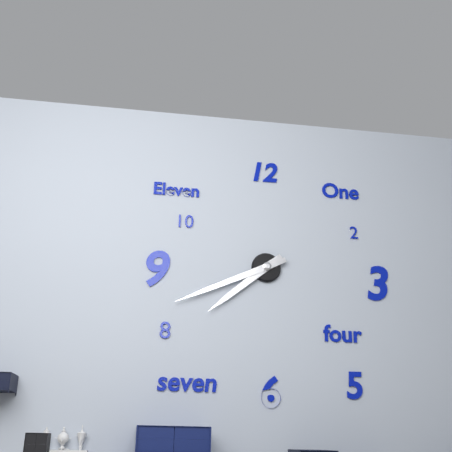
7h41
